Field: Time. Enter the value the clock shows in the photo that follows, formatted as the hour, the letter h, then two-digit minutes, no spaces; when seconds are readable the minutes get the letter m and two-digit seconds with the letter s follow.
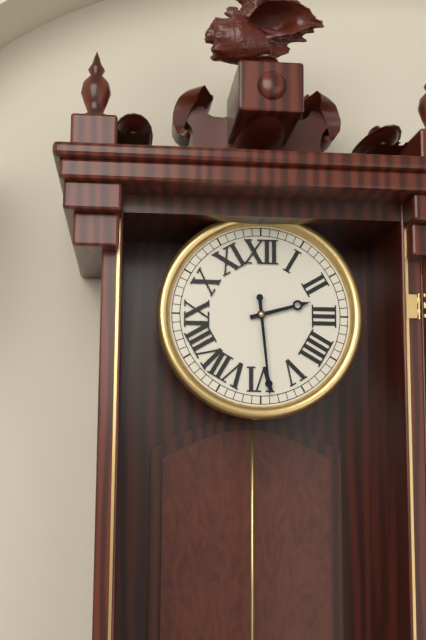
2h29
